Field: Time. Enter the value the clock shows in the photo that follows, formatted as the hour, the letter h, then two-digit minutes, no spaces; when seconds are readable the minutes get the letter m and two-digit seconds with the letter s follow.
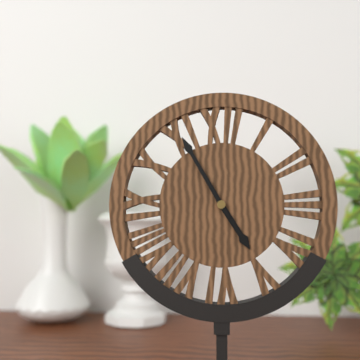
4h55
